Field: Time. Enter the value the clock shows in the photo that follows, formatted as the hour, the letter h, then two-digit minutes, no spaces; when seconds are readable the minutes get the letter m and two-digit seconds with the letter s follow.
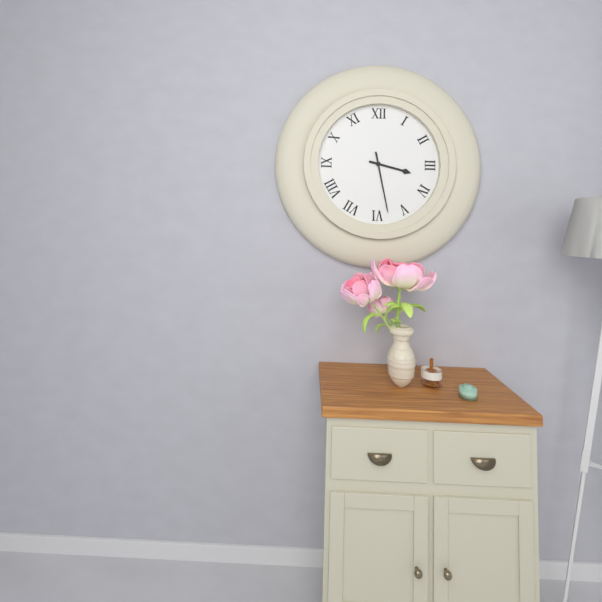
3h28
